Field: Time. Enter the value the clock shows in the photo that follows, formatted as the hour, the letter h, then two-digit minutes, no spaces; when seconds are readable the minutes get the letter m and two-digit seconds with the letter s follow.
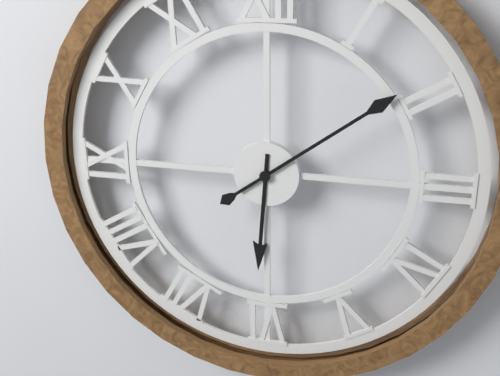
6h09
